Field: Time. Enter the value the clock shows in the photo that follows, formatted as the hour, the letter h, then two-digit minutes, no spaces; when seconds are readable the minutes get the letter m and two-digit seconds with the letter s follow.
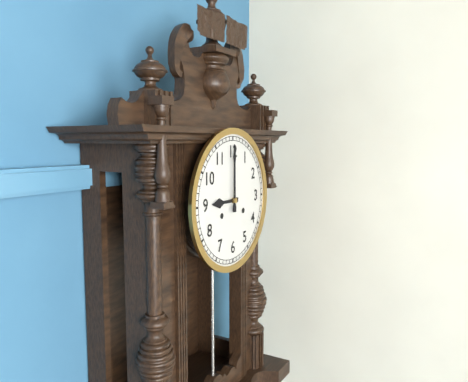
9h00
